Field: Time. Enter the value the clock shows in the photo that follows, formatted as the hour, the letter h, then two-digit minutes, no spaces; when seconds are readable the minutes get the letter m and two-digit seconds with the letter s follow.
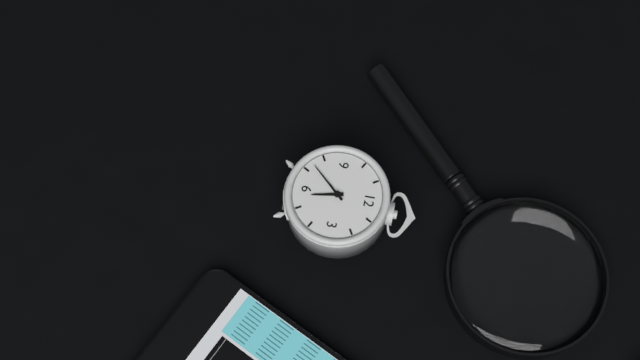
5h37
